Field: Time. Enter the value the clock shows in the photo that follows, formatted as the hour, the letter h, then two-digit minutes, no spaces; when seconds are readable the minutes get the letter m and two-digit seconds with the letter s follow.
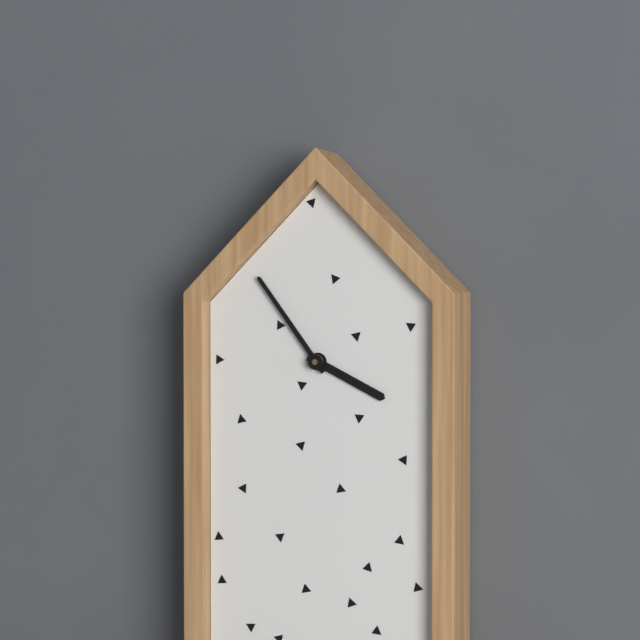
3h54
